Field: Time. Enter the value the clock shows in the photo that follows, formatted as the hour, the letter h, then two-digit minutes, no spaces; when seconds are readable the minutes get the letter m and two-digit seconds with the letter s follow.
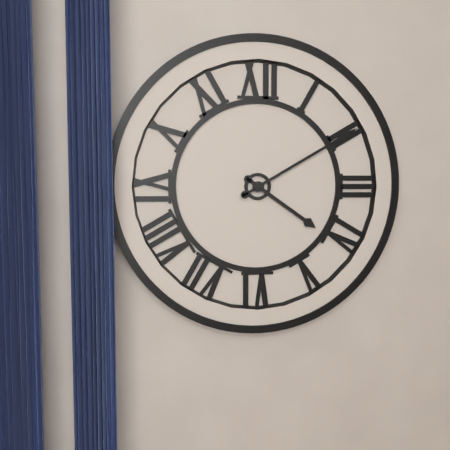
4h10
